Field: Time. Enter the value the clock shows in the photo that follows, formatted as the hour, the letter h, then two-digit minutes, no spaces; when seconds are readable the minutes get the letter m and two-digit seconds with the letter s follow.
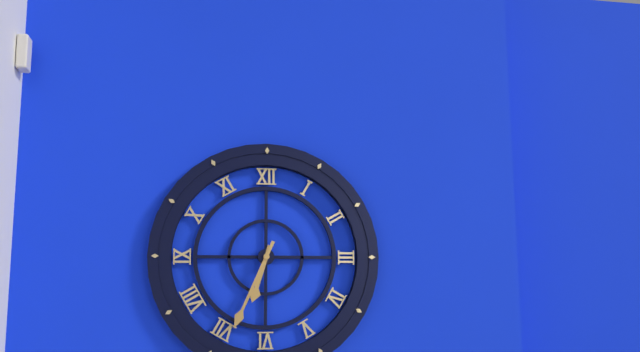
6h34
